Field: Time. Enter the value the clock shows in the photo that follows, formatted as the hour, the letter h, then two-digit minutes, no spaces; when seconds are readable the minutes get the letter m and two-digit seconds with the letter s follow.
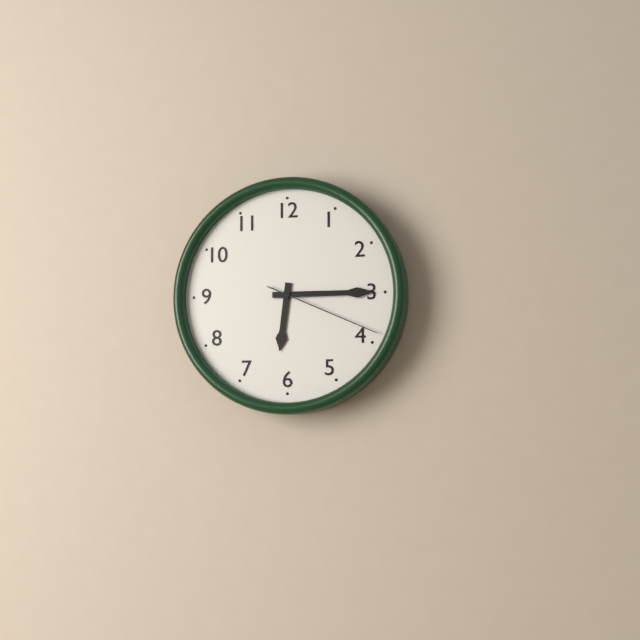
6h15m19s
